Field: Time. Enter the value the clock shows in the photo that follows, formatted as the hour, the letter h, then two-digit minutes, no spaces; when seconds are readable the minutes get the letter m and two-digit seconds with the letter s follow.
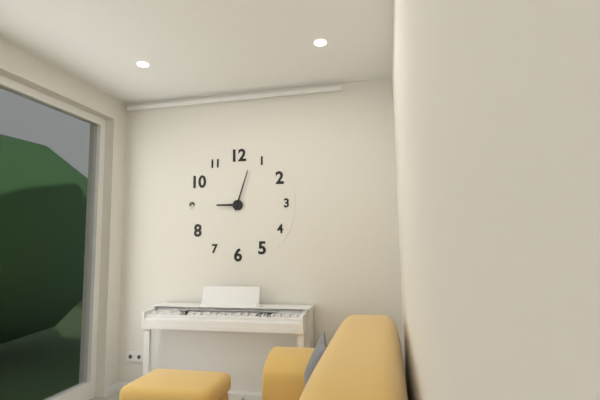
9h03
